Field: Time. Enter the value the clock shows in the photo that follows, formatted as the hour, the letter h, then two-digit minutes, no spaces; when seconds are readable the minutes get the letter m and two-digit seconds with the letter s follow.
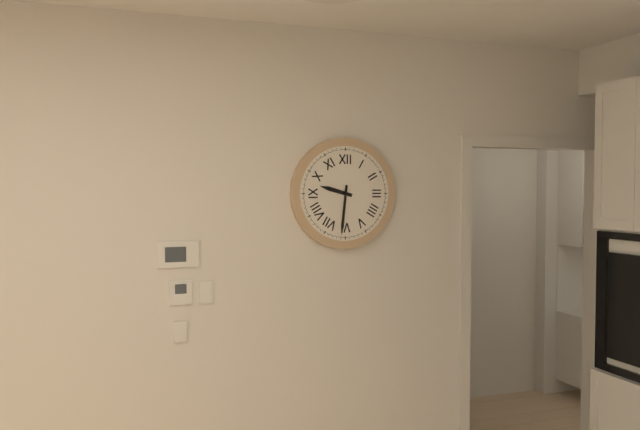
9h31
